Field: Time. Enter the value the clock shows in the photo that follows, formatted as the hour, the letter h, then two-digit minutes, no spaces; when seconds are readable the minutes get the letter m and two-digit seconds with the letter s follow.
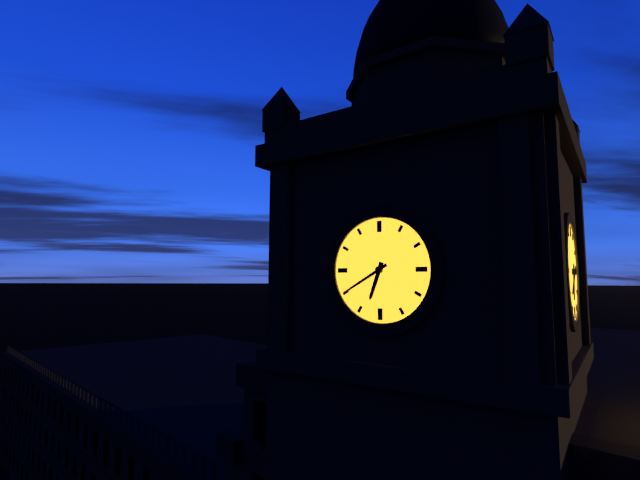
6h40
